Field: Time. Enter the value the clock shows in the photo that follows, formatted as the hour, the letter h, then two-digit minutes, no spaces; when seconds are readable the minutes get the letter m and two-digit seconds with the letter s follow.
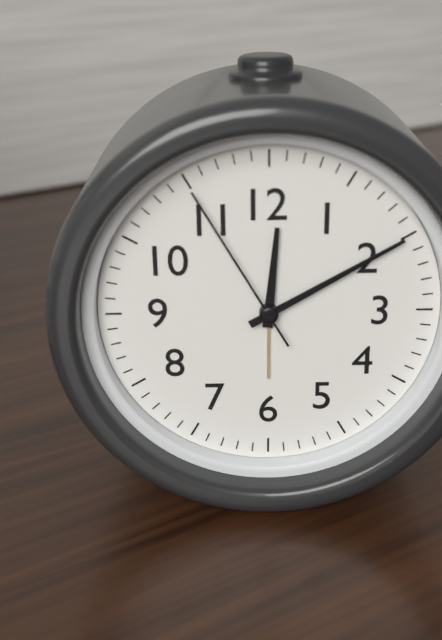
12h10m55s
